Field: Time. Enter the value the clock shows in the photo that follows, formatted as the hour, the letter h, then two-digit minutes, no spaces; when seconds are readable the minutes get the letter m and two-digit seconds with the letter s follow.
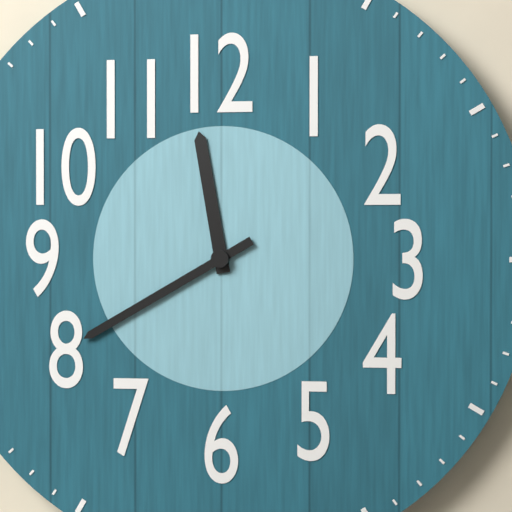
11h40
